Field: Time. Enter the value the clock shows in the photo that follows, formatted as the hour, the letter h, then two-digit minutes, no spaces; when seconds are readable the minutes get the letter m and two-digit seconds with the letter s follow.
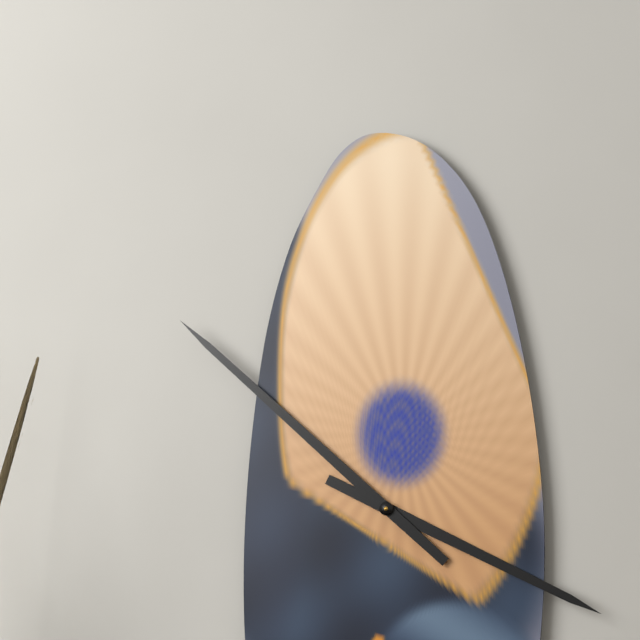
3h52
